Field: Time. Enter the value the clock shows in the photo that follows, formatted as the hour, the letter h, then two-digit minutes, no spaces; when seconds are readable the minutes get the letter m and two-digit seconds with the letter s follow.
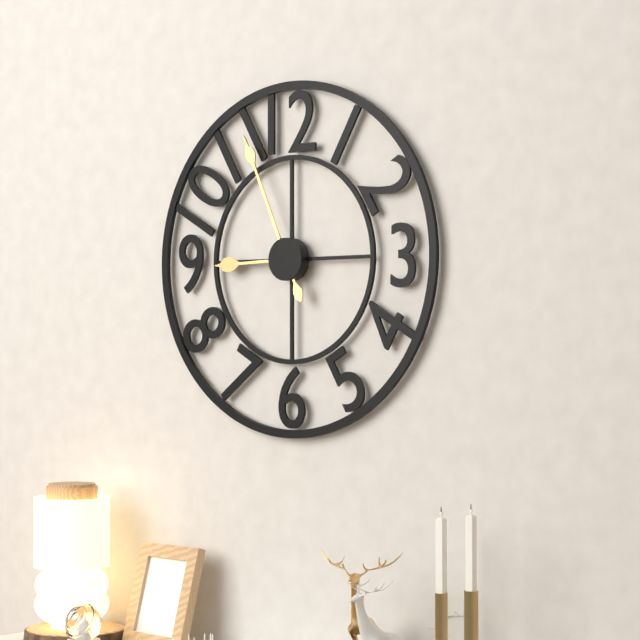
8h56
